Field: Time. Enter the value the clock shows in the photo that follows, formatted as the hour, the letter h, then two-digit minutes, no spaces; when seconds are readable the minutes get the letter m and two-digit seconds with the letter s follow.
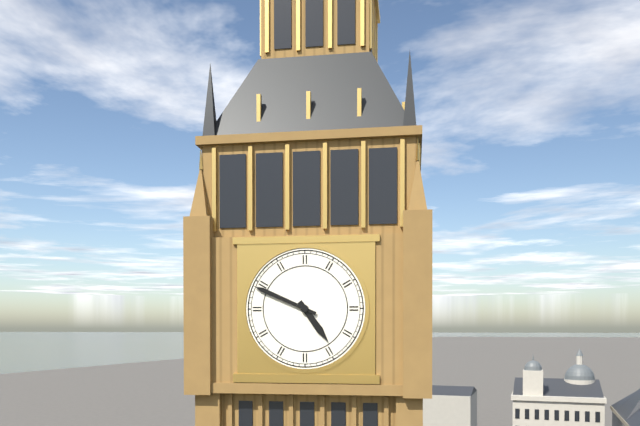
4h49
